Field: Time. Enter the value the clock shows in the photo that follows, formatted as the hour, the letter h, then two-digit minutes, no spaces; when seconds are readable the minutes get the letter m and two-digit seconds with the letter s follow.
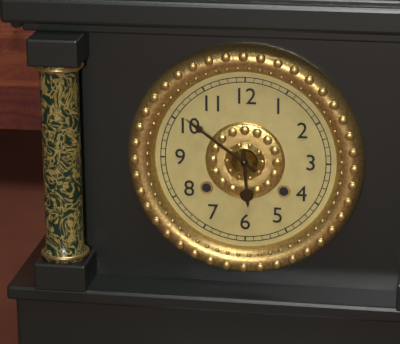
5h51
